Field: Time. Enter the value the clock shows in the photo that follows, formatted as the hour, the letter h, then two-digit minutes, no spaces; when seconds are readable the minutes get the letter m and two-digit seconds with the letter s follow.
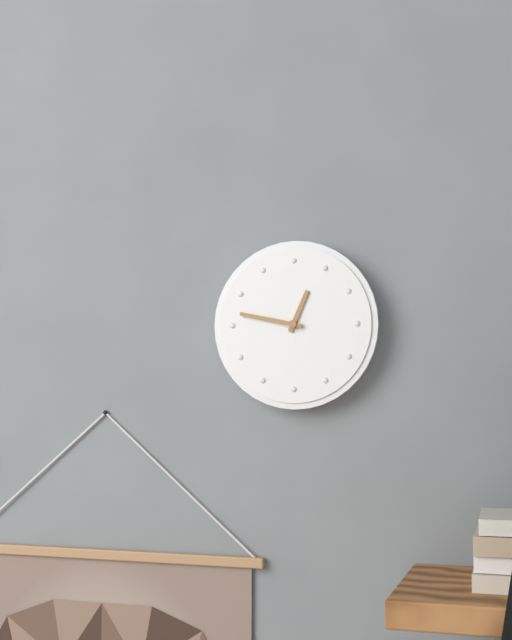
12h47
